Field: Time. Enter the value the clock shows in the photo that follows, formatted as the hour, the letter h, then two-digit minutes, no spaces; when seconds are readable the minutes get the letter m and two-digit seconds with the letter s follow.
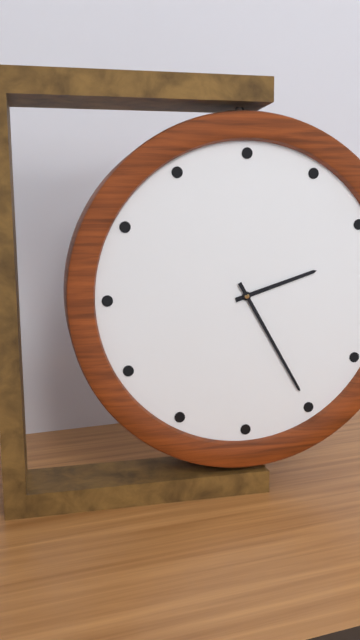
2h25
